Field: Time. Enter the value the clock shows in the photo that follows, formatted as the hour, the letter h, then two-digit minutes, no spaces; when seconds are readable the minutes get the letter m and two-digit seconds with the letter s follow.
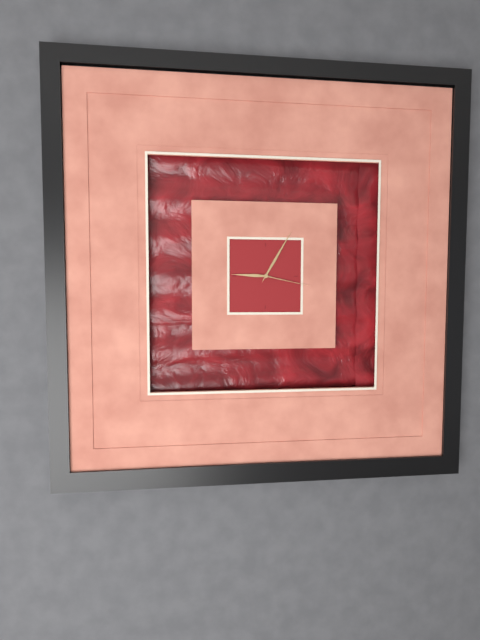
9h05m17s
